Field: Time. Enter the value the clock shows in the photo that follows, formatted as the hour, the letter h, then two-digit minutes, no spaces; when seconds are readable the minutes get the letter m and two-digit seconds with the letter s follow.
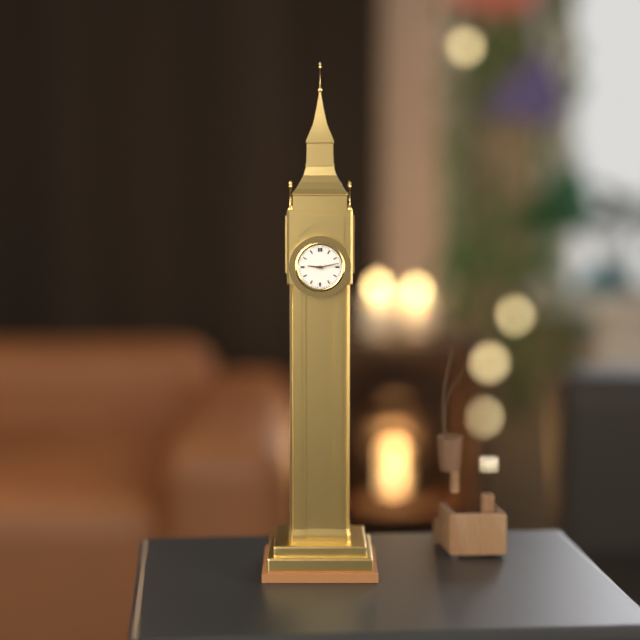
9h13
